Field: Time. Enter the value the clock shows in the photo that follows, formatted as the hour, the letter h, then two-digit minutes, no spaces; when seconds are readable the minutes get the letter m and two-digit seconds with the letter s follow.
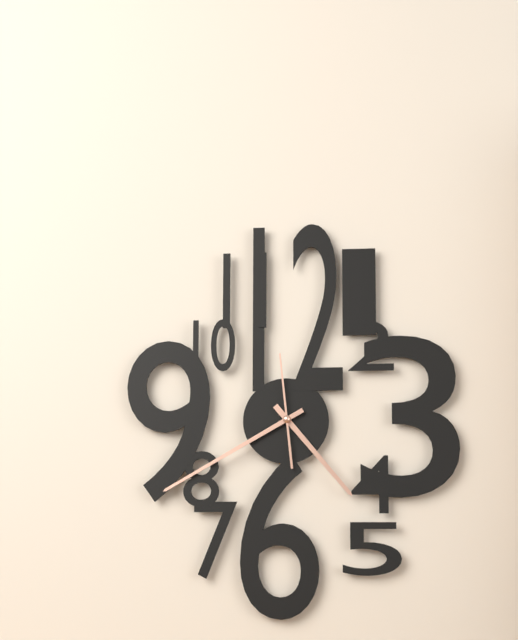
4h40m59s
